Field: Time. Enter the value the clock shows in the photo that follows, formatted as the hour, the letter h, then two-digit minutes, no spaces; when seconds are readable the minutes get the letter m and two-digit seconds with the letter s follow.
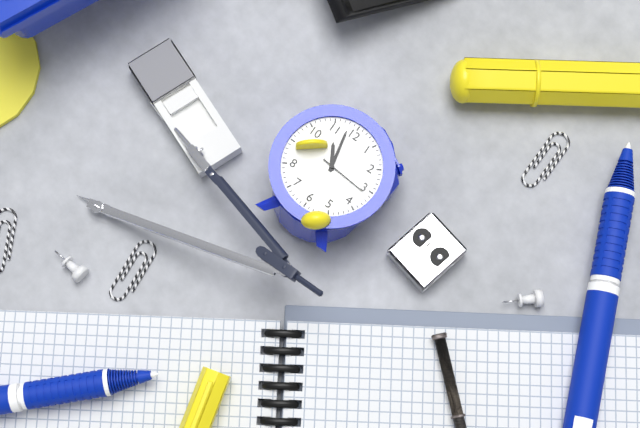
10h58m16s
